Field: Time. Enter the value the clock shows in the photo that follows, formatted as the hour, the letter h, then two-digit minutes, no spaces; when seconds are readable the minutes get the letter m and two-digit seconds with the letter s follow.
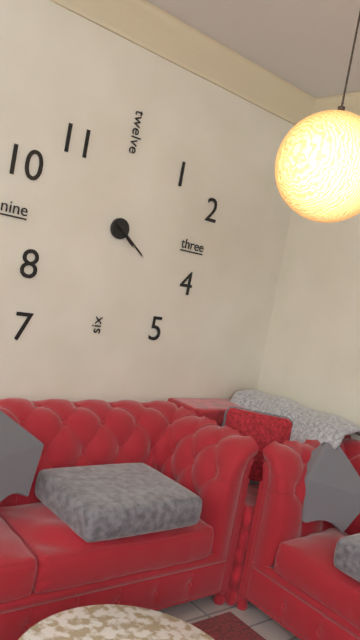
4h21
